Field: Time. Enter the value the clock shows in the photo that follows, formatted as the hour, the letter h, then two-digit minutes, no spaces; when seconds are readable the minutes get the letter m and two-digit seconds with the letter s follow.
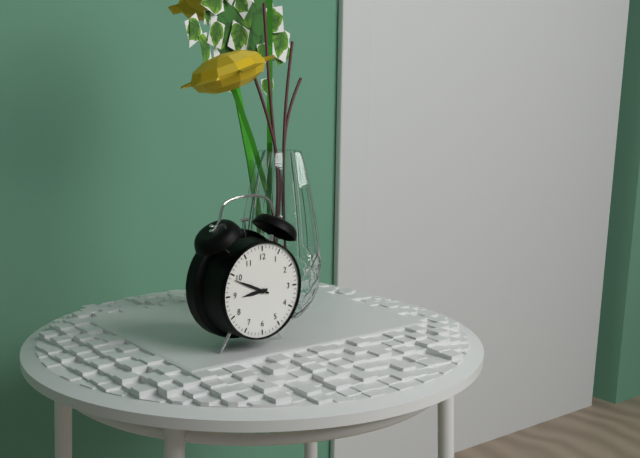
8h49
